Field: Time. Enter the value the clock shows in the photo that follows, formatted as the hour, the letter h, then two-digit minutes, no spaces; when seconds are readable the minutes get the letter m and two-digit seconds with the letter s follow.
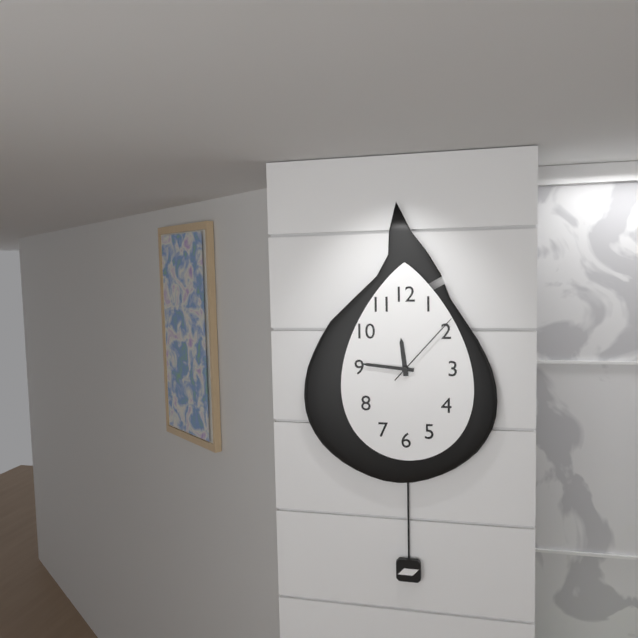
11h46m07s
